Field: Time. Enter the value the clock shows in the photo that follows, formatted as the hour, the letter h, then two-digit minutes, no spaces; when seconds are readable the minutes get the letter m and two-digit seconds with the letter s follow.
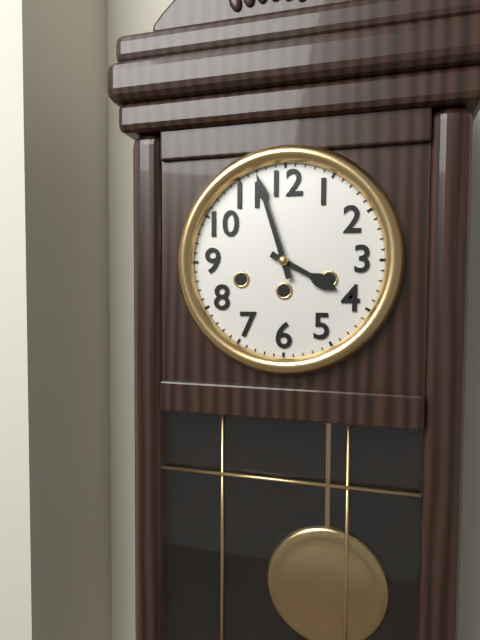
3h57
